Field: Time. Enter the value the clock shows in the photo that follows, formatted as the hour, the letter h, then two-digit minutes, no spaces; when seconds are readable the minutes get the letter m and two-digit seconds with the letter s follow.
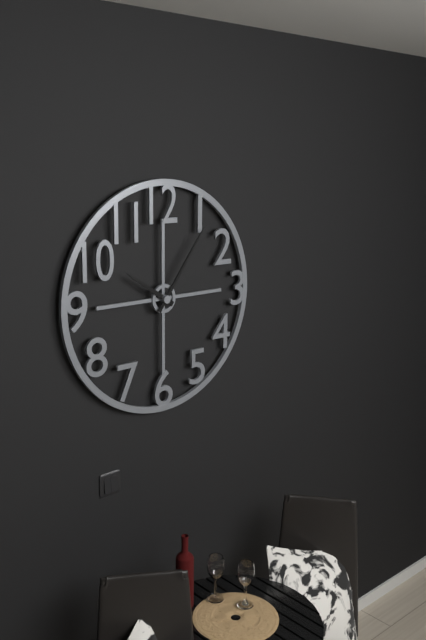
10h06
